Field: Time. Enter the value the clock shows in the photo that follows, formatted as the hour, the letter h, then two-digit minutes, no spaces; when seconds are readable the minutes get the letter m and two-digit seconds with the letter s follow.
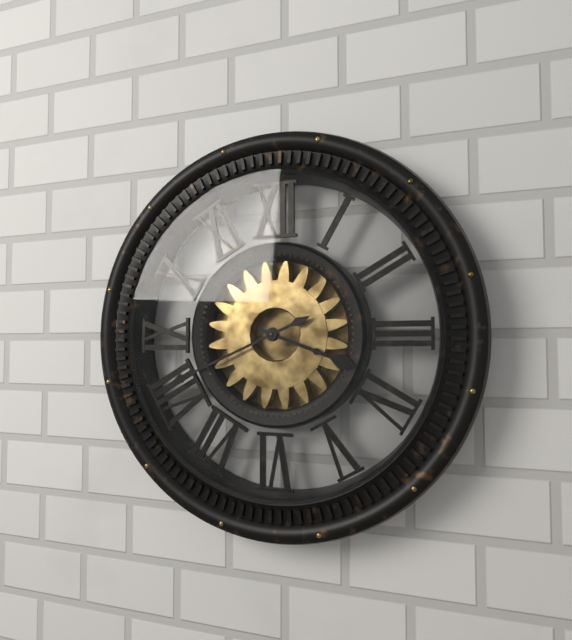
3h41
